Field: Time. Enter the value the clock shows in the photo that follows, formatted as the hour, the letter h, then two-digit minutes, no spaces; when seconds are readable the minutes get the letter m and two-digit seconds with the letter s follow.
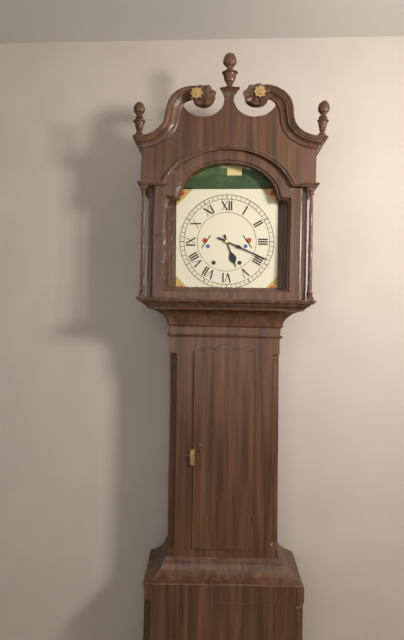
5h19
